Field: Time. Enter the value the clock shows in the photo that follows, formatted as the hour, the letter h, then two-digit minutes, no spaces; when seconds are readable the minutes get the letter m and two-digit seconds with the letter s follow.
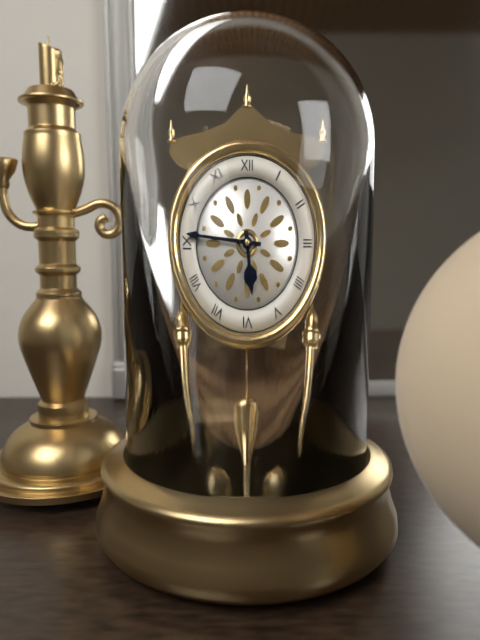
5h46
